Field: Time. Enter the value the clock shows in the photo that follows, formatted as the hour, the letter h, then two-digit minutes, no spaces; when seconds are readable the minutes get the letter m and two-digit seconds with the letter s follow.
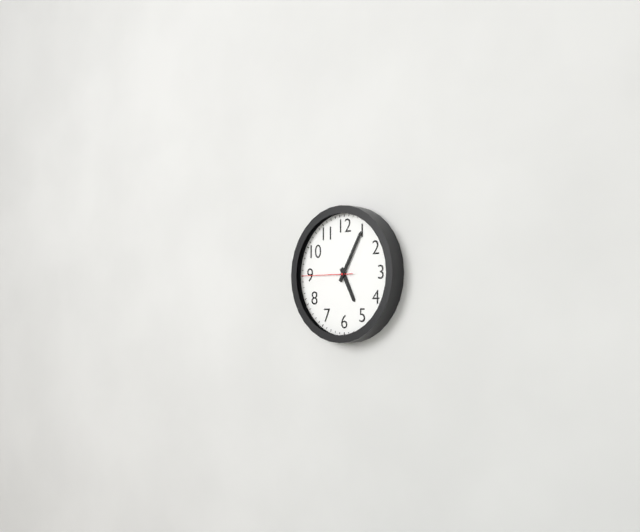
5h05m45s
